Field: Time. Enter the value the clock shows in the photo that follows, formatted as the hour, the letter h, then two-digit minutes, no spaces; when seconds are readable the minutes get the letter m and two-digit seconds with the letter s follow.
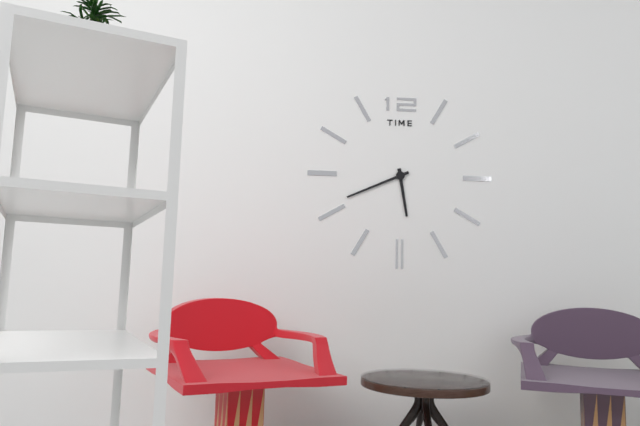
5h41
